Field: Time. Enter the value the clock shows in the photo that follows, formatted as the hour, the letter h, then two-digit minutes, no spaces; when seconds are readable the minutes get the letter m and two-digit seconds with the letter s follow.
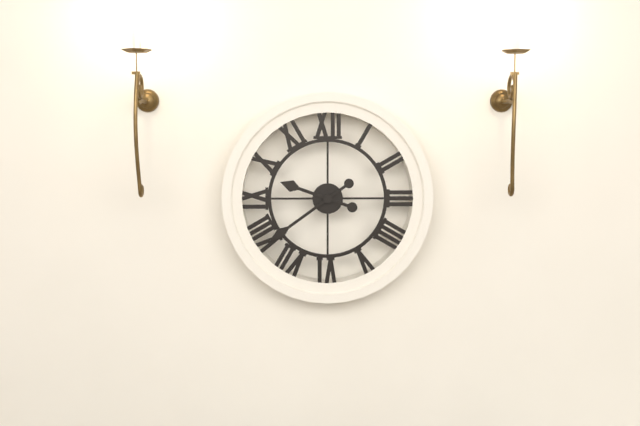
9h39
